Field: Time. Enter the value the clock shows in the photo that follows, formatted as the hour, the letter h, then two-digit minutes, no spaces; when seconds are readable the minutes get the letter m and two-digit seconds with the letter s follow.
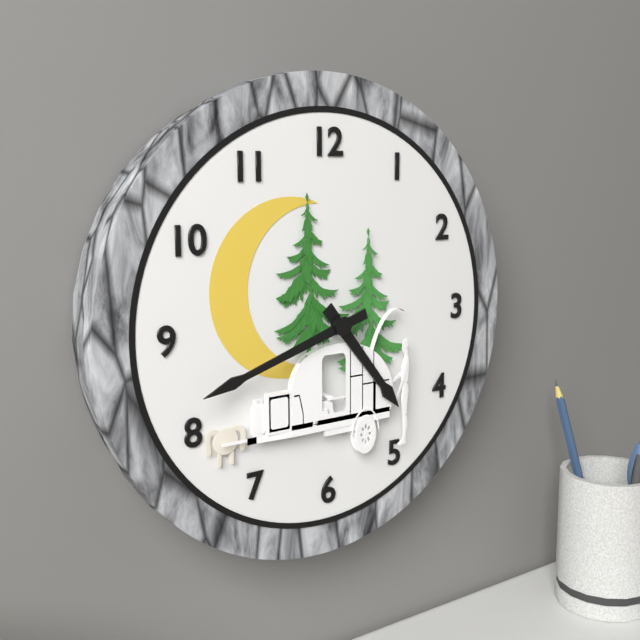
4h42
